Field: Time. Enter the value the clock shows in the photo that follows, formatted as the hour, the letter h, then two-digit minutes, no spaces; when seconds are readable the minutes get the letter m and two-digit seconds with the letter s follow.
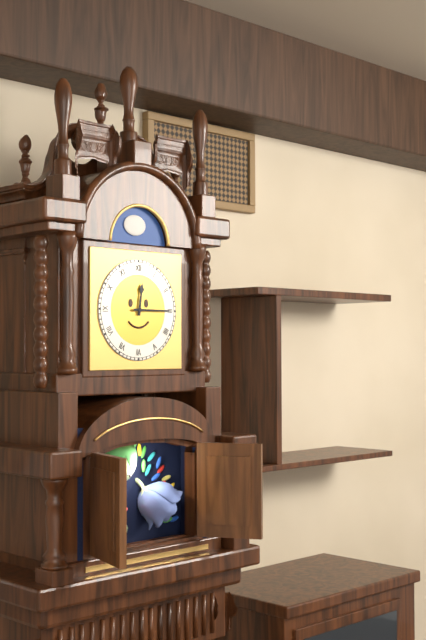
12h15
